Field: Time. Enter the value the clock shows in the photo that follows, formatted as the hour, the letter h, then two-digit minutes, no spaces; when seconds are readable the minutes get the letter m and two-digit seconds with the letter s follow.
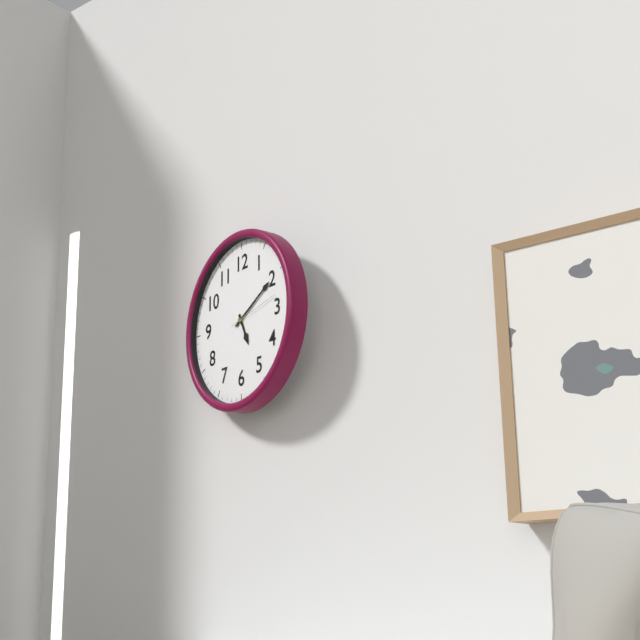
5h10
